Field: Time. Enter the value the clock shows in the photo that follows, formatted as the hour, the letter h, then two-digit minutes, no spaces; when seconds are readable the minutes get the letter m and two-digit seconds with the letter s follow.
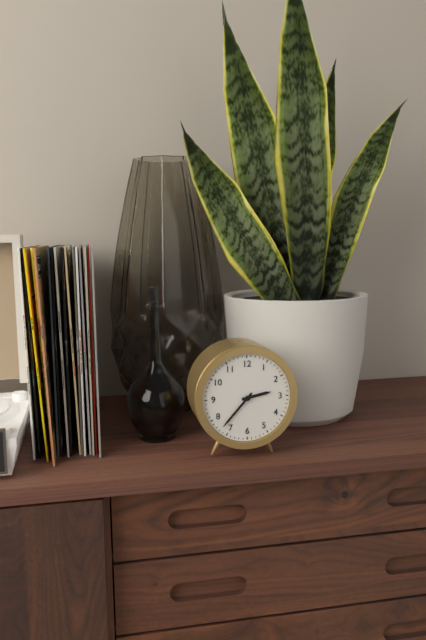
2h37
